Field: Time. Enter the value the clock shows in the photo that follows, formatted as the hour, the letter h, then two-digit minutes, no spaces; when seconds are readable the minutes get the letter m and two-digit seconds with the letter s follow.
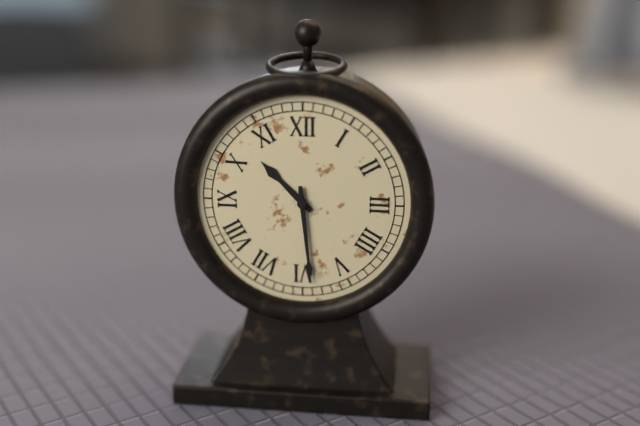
10h29
